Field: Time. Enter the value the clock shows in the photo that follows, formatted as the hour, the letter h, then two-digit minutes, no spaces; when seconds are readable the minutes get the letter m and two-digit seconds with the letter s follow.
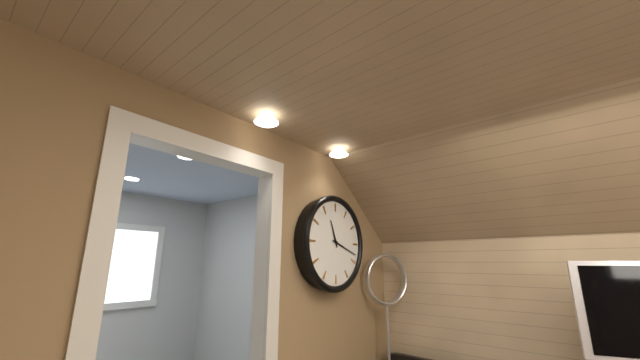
11h18
